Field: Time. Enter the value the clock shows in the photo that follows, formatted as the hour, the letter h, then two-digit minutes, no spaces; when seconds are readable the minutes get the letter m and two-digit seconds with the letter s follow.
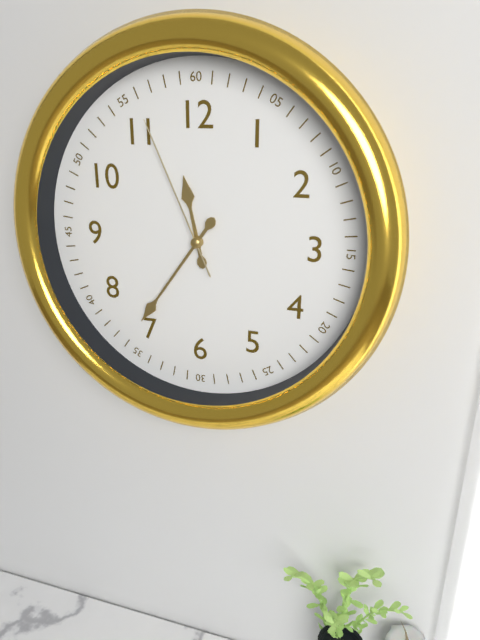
11h36m56s
